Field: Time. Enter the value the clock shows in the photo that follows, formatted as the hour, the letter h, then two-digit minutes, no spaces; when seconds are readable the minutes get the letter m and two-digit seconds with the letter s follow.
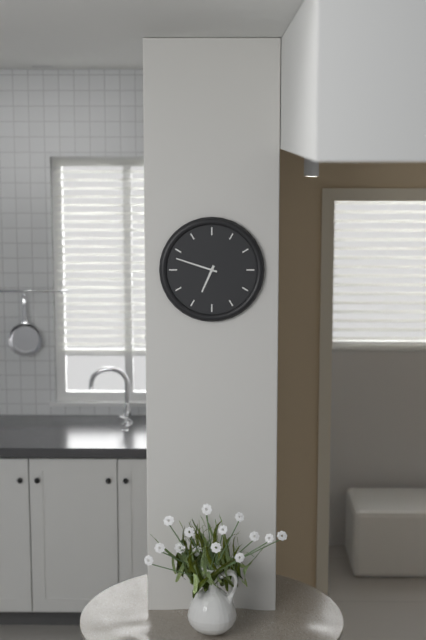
6h48
